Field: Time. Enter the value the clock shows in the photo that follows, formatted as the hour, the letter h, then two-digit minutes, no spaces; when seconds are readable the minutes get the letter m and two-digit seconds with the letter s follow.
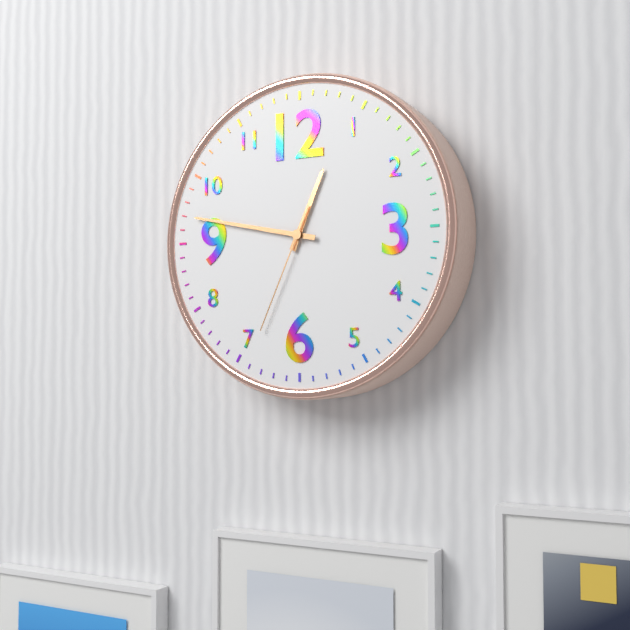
12h47m34s
